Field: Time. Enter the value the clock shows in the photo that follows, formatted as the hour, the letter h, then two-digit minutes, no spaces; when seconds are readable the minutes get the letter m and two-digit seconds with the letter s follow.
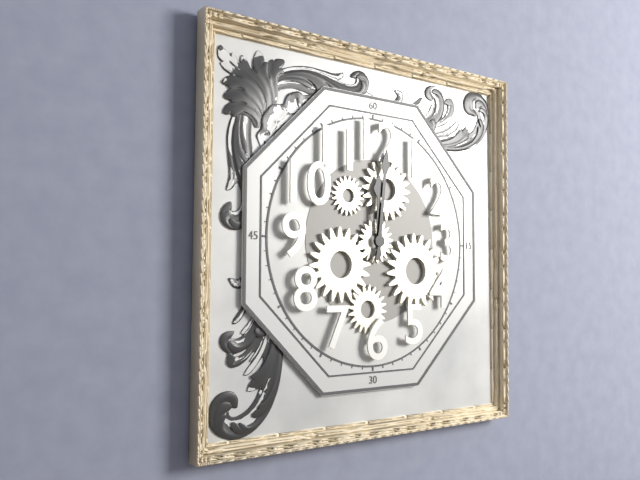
12h01
